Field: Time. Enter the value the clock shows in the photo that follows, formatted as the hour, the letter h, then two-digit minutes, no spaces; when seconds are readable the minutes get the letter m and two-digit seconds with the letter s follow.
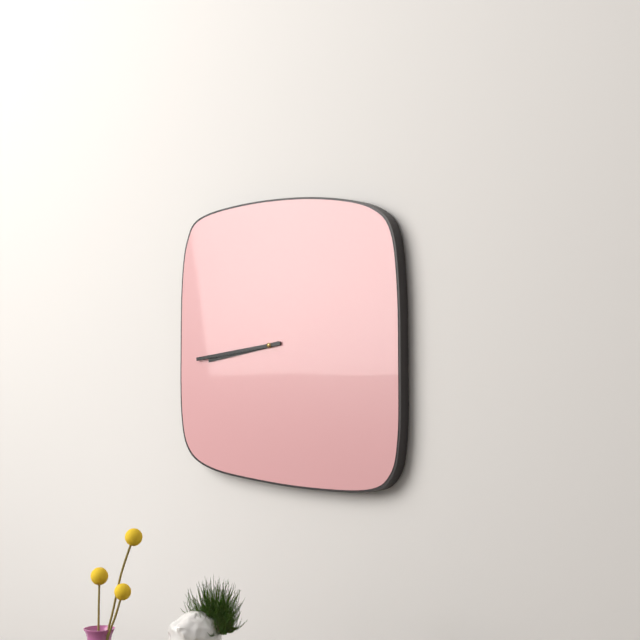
8h44
